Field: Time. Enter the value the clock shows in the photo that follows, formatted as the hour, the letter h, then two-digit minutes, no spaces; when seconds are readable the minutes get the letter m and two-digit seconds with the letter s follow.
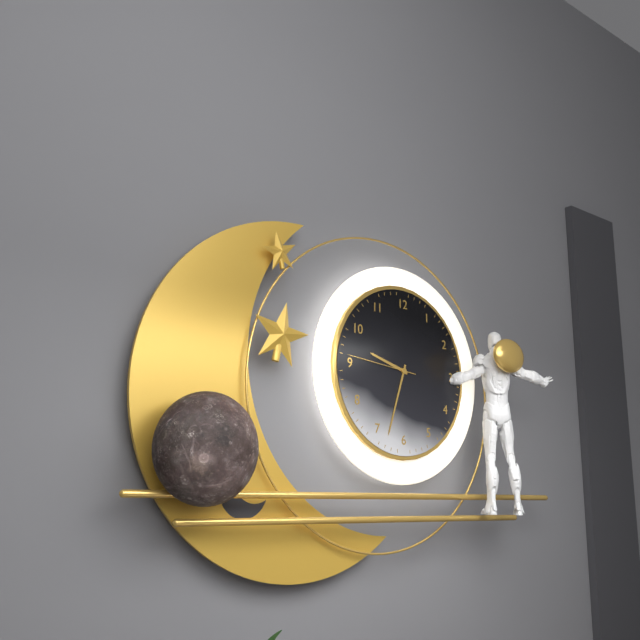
9h33m46s
